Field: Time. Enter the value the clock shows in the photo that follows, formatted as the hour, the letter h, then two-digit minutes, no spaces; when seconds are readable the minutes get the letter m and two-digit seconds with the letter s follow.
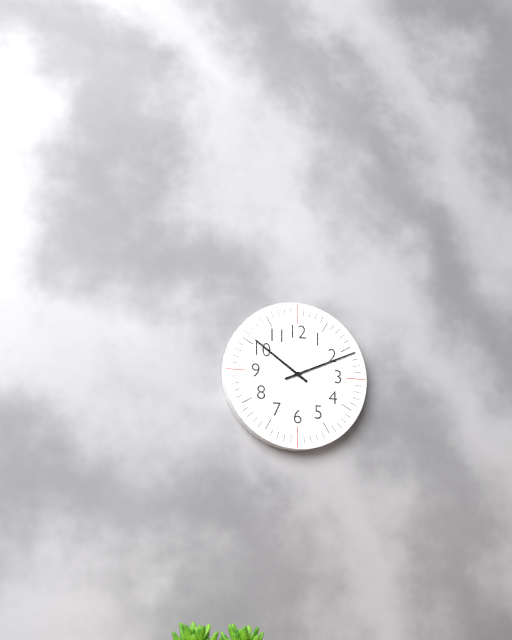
10h11
